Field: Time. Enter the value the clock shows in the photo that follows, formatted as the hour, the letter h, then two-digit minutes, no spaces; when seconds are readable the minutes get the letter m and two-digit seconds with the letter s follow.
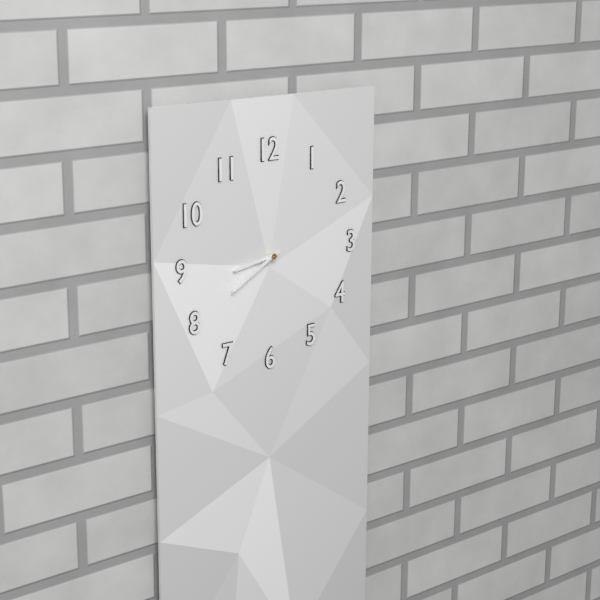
8h40
